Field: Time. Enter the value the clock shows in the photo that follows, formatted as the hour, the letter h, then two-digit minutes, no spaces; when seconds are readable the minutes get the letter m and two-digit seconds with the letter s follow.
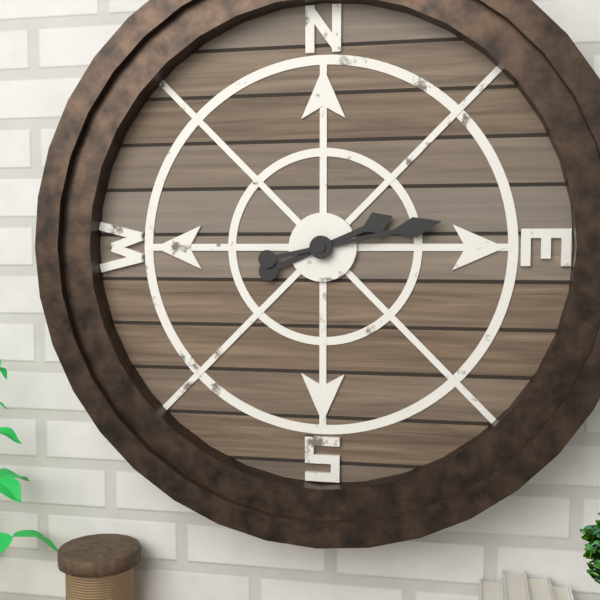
2h13
